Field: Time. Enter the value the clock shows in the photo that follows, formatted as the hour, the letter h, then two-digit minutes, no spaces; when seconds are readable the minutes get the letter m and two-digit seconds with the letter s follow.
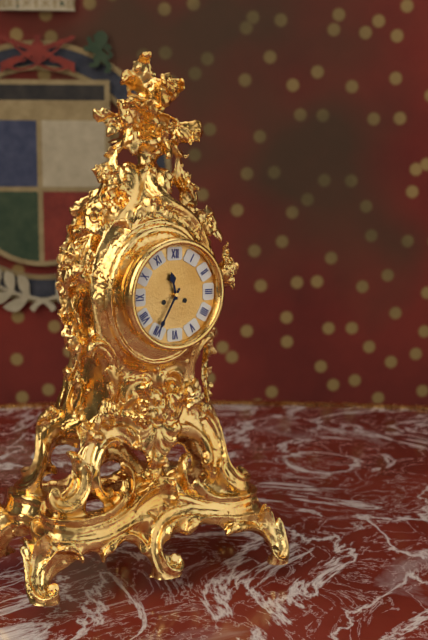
11h35
